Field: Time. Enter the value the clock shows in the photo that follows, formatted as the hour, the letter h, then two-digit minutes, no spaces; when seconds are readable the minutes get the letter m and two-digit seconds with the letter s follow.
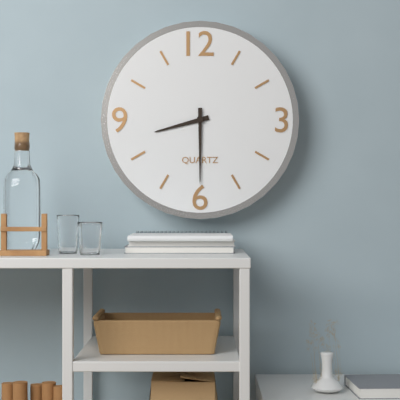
8h30
